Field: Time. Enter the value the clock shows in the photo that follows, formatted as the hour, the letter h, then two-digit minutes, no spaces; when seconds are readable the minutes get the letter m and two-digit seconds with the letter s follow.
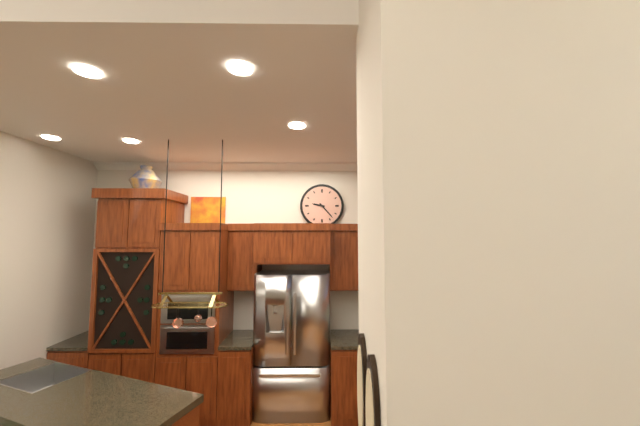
9h23
